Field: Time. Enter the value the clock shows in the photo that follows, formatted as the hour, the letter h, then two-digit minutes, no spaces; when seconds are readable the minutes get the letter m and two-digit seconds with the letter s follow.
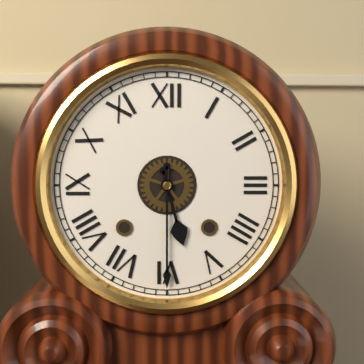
5h30
